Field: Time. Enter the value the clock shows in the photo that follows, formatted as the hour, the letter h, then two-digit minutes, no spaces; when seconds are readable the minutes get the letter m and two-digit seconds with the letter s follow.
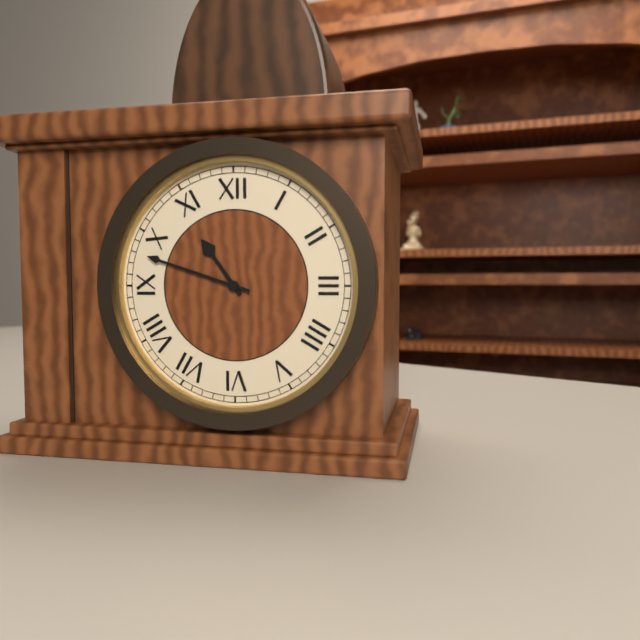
10h48
